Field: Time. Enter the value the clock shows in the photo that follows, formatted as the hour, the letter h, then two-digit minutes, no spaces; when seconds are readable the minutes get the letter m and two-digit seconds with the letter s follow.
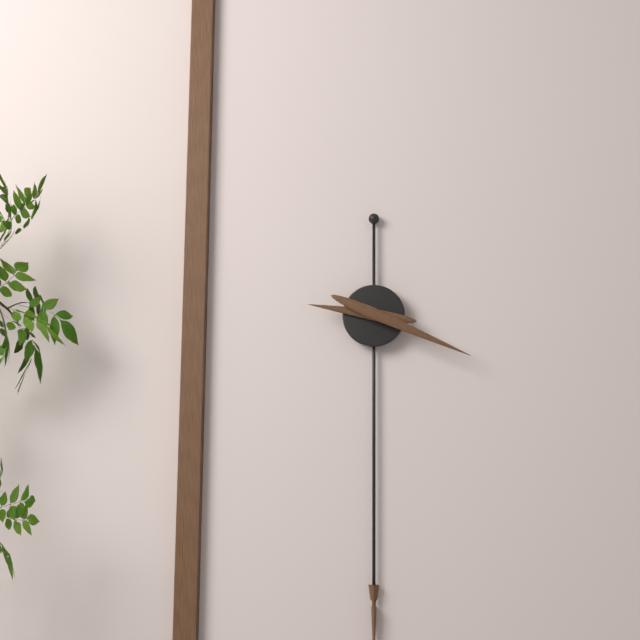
9h19
